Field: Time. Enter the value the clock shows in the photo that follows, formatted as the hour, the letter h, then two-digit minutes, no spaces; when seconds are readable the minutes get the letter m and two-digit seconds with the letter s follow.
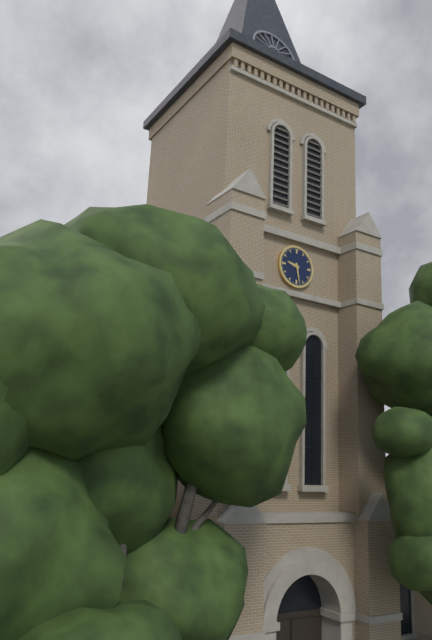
9h28
